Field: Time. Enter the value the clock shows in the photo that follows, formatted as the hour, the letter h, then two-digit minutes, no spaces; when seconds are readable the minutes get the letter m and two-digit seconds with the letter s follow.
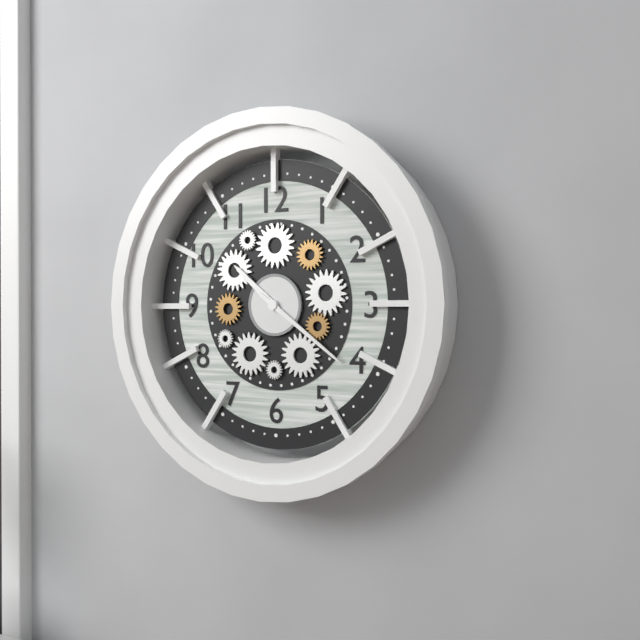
10h21
